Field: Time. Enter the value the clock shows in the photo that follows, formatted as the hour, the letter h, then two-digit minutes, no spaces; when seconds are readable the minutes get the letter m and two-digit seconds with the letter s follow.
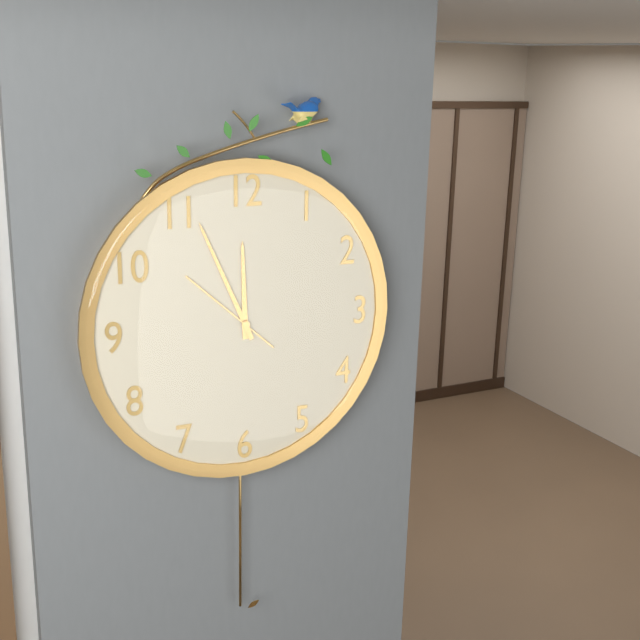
11h56m52s
